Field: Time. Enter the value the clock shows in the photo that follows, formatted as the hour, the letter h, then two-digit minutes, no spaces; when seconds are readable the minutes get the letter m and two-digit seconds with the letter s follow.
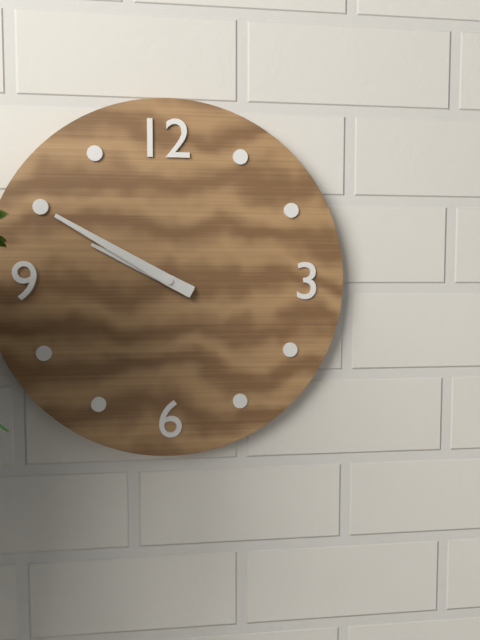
9h50
